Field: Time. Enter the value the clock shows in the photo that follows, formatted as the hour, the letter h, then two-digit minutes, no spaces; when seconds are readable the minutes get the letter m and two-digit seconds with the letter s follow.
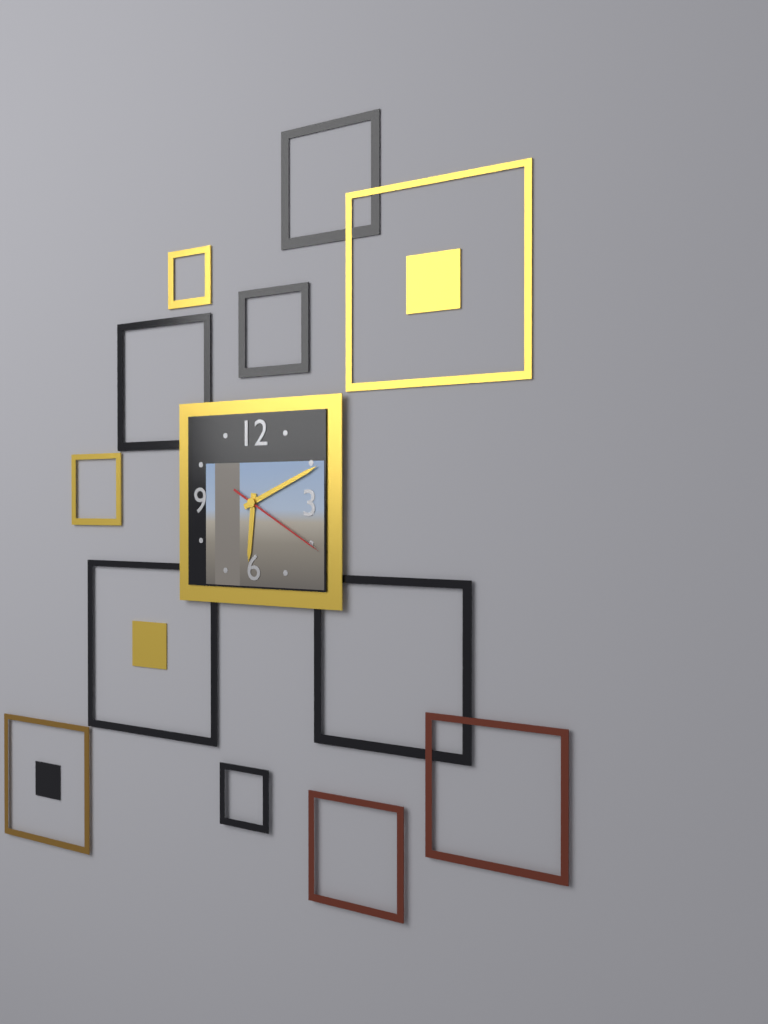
6h11m20s
